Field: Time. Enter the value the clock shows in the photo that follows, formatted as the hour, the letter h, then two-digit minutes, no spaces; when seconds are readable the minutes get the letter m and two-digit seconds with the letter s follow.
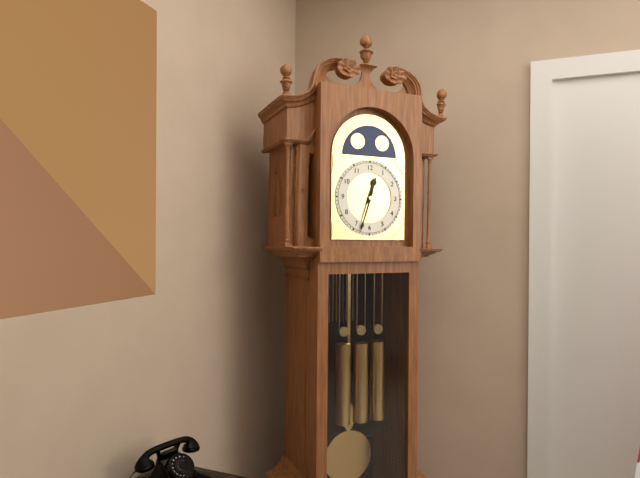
12h33
